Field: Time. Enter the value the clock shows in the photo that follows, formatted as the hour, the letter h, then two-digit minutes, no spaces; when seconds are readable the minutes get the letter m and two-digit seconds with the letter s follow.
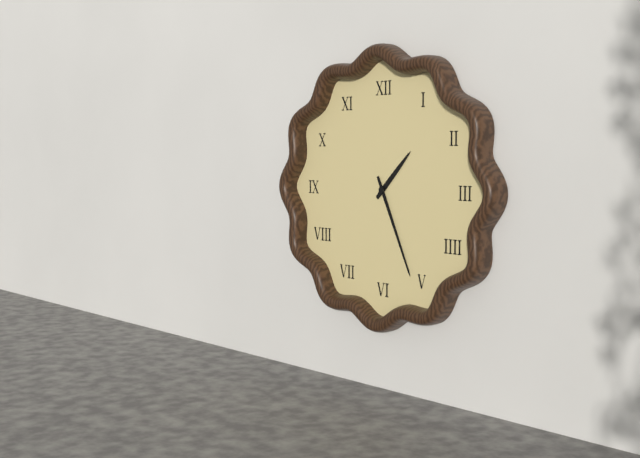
1h26
